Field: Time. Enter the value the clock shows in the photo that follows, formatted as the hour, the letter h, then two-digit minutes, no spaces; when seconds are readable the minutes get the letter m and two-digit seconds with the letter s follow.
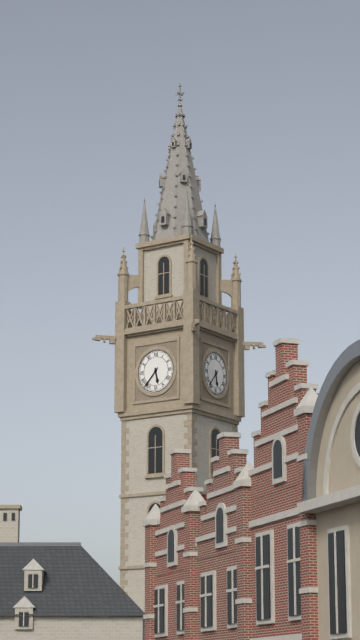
5h37
